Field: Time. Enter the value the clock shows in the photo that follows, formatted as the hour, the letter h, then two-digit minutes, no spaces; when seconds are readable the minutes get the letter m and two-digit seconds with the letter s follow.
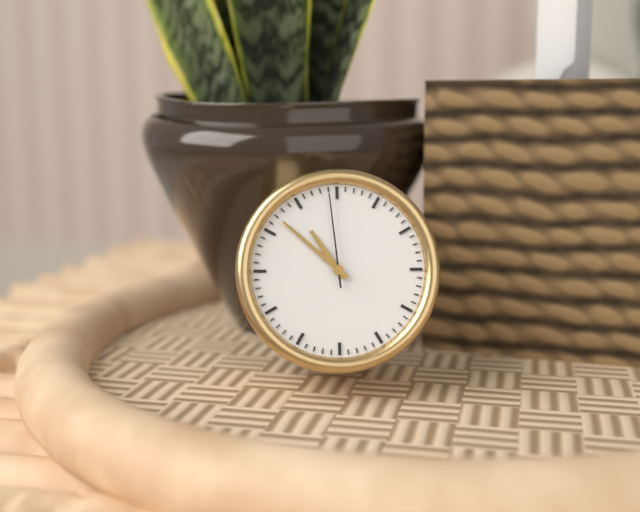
10h52m59s
